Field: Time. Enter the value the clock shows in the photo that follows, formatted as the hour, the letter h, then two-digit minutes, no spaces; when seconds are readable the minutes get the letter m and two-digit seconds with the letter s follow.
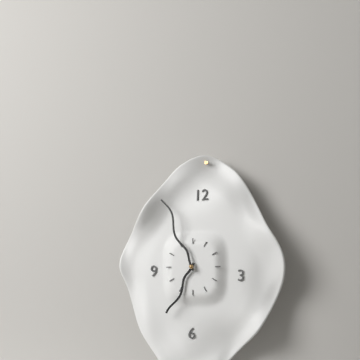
6h56
